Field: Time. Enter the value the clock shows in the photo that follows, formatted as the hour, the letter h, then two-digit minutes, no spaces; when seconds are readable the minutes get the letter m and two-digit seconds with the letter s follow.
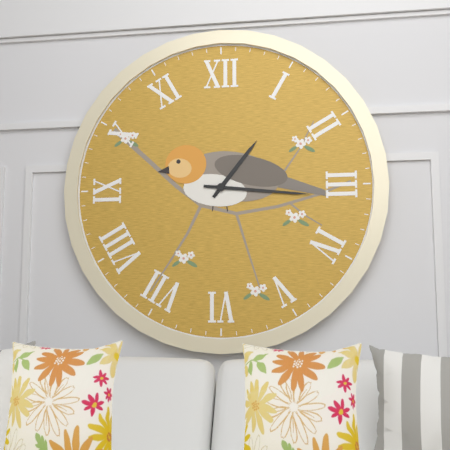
1h16
